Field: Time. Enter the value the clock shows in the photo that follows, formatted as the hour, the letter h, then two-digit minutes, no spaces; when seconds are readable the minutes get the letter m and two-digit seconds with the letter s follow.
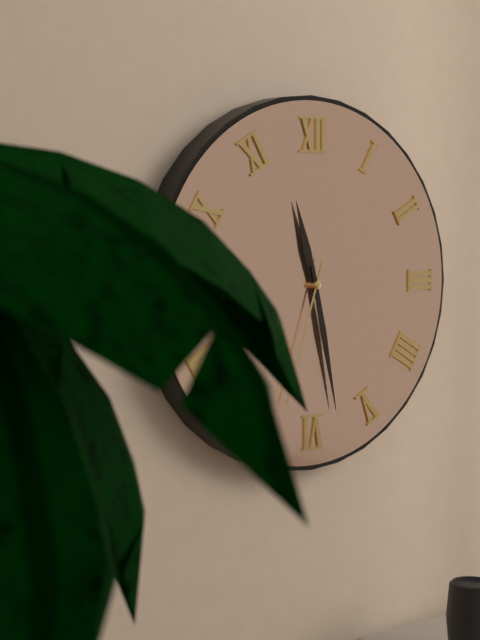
11h28m33s
